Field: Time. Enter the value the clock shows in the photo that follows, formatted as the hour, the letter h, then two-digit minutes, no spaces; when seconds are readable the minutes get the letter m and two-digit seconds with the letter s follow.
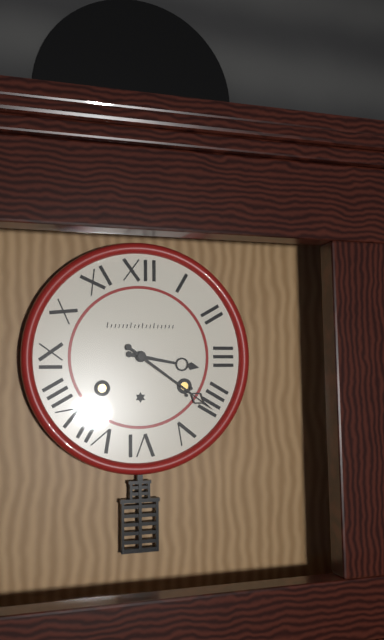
3h21
